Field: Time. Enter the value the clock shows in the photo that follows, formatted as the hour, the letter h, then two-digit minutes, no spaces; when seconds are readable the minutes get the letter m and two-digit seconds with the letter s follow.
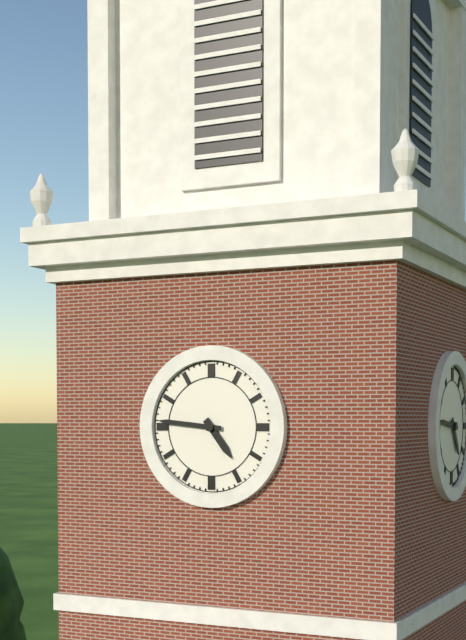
4h46
